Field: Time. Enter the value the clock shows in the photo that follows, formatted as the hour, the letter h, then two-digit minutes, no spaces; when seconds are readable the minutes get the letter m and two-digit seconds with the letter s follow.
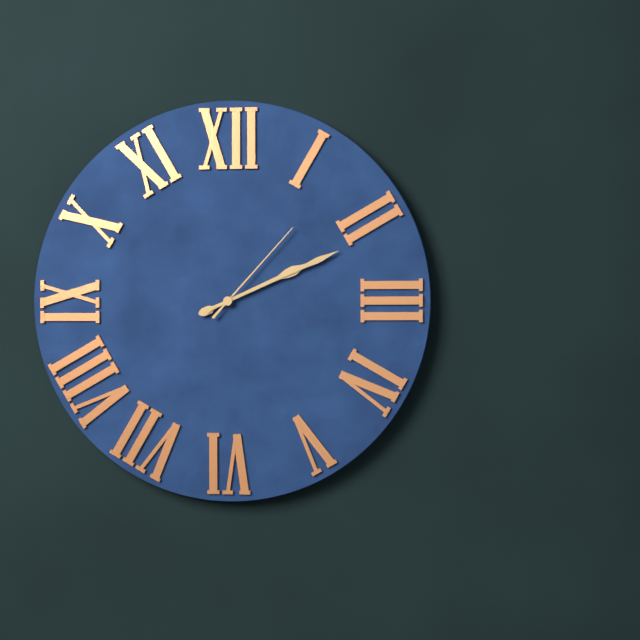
2h11m07s
